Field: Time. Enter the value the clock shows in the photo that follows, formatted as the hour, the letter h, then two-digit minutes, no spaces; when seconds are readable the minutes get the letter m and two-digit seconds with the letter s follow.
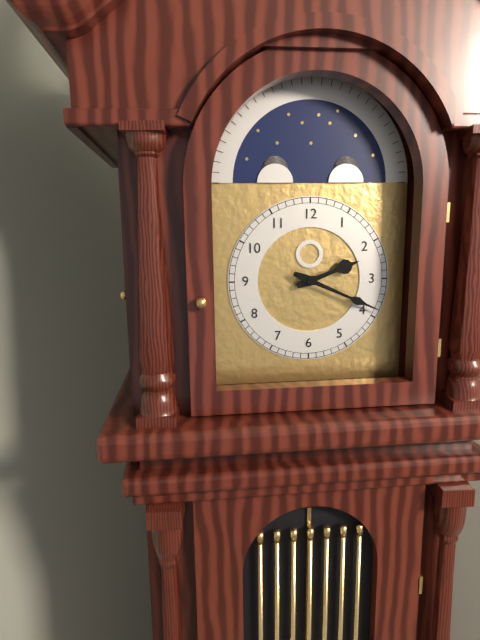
2h19
